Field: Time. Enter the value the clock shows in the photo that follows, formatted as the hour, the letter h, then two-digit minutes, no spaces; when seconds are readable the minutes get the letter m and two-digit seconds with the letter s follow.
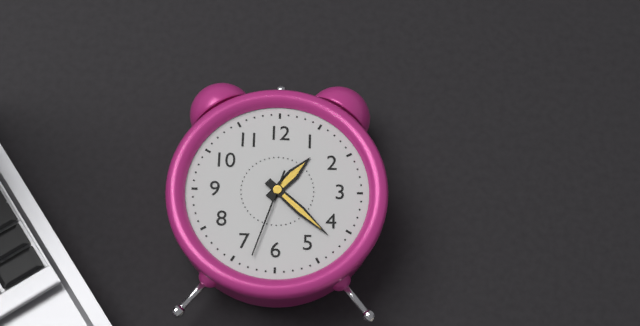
1h22m33s
